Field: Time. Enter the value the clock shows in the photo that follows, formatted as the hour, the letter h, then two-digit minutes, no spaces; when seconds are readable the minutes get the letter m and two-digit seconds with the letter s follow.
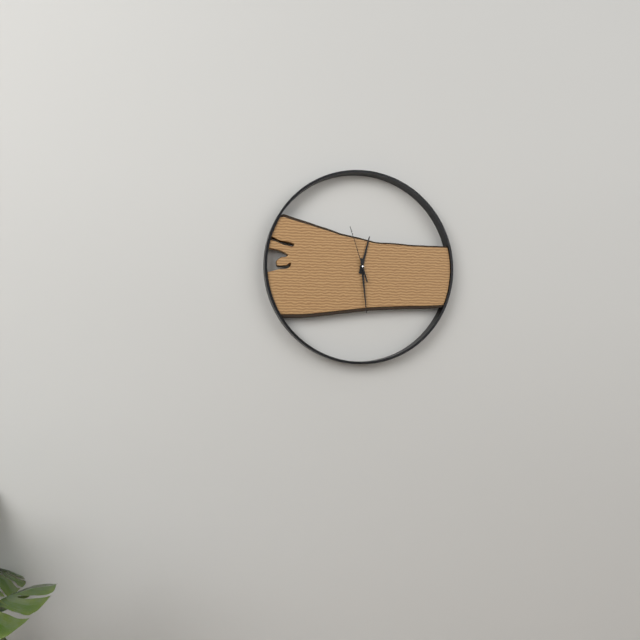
12h29m57s
